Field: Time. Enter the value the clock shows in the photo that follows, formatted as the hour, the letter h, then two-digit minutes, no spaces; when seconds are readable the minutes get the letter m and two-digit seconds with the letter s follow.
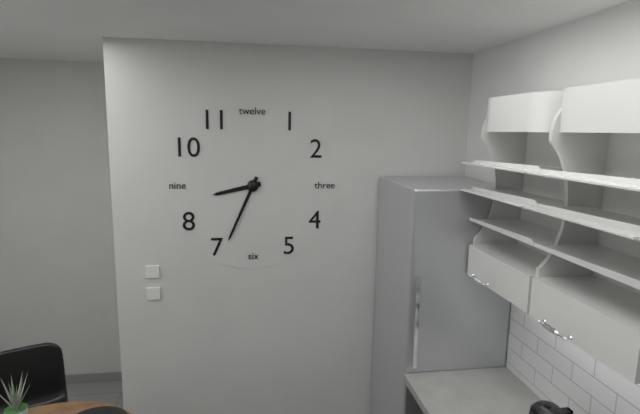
8h34
